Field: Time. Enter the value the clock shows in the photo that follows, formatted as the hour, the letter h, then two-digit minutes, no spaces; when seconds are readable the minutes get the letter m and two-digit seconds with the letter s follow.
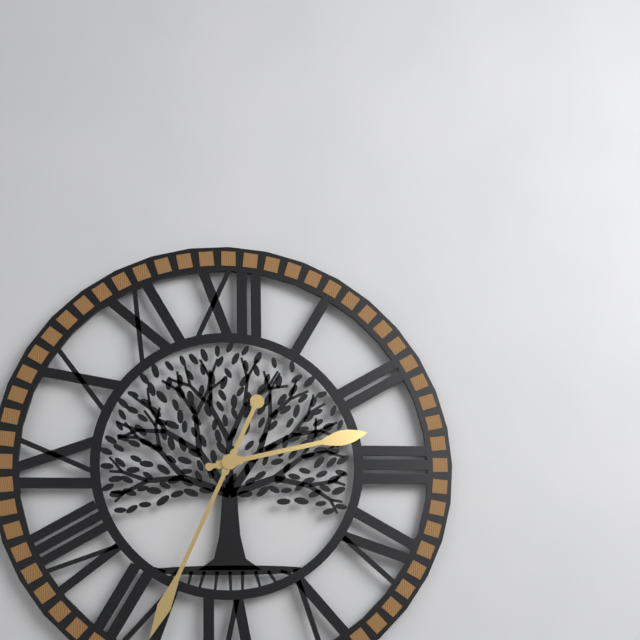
2h34
